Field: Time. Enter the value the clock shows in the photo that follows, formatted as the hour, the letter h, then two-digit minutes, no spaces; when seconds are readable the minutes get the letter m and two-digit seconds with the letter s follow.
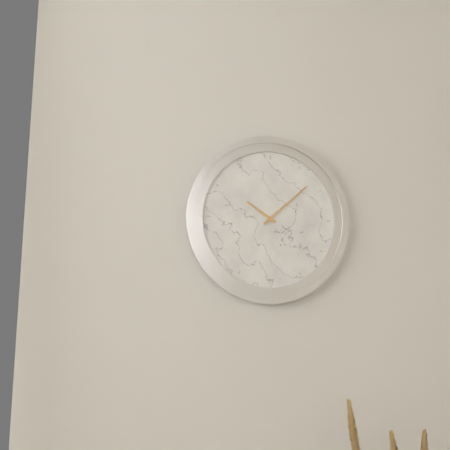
10h08
